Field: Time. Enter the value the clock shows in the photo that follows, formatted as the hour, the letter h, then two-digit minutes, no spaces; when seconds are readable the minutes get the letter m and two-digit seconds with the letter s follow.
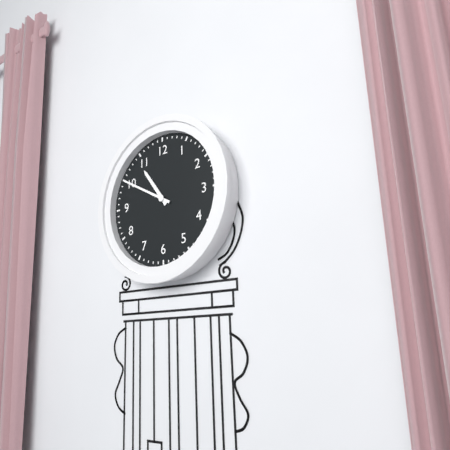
10h50
